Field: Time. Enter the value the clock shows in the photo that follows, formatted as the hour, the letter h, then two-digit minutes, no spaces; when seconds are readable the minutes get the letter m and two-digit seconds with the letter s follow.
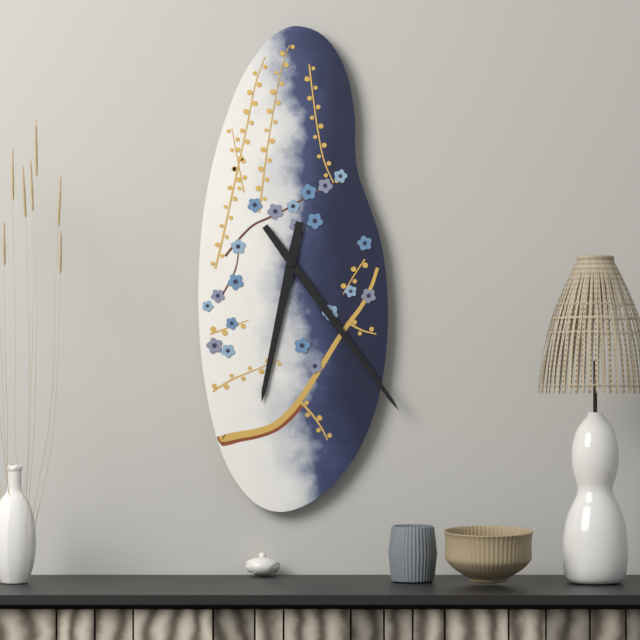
6h24
